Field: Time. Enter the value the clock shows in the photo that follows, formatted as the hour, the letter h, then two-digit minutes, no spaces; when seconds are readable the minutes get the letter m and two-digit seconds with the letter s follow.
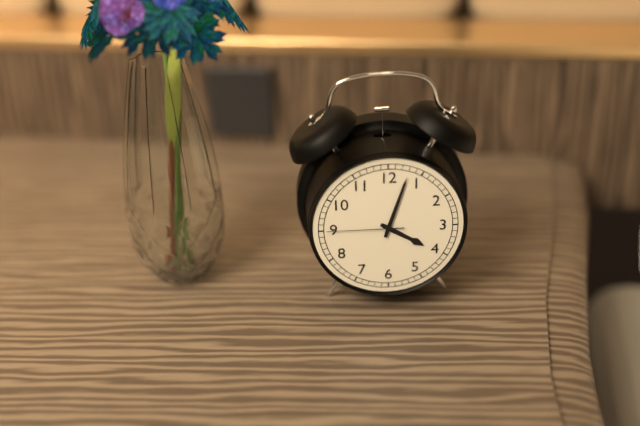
4h03m45s
